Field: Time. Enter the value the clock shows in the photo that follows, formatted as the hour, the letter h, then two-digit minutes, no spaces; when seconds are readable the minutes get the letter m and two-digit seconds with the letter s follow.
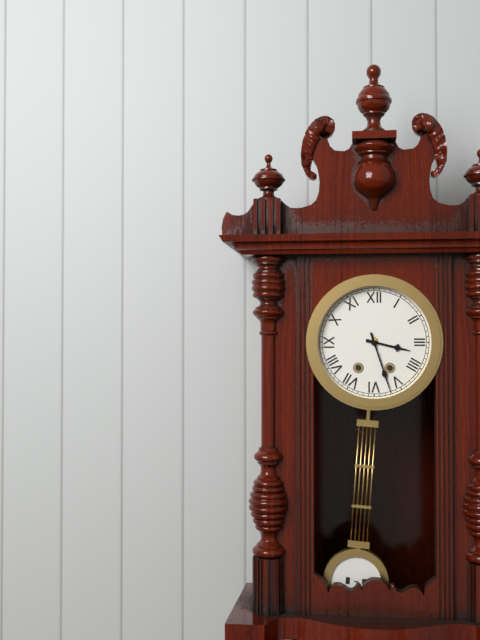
3h27
